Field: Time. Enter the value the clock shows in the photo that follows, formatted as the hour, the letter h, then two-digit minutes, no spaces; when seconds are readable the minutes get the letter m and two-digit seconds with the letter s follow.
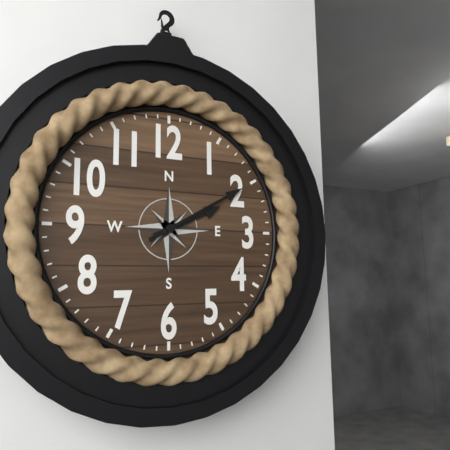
2h10
